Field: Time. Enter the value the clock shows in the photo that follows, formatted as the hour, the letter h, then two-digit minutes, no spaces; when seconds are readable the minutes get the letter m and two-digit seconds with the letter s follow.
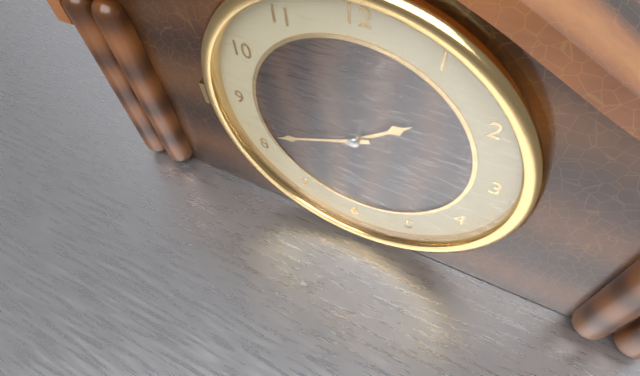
1h41
